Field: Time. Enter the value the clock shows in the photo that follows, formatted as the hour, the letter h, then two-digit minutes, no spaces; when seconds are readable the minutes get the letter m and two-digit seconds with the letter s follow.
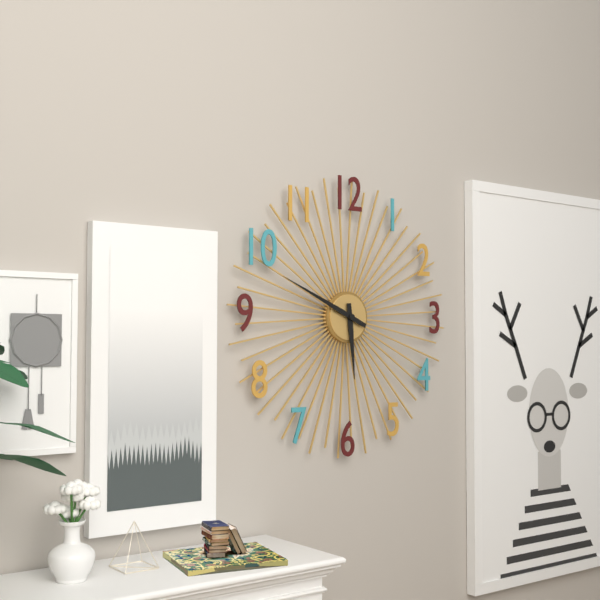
5h49
